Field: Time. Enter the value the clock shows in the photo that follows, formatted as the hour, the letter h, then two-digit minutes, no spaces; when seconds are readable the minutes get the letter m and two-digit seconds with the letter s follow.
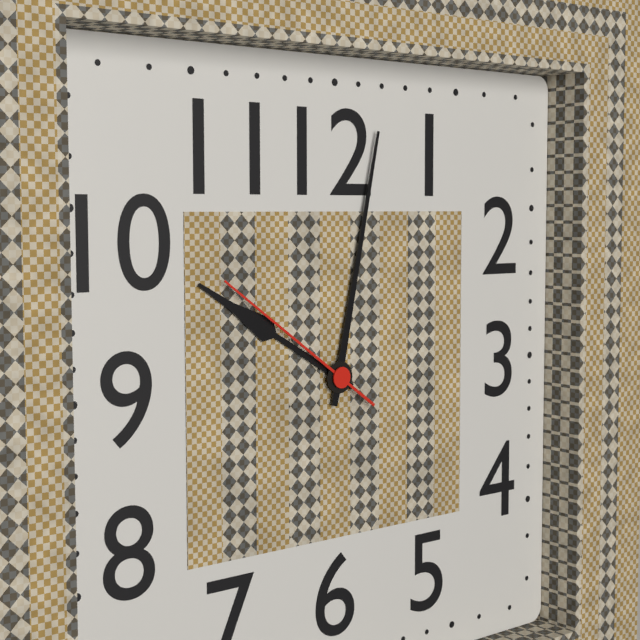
10h02m51s
